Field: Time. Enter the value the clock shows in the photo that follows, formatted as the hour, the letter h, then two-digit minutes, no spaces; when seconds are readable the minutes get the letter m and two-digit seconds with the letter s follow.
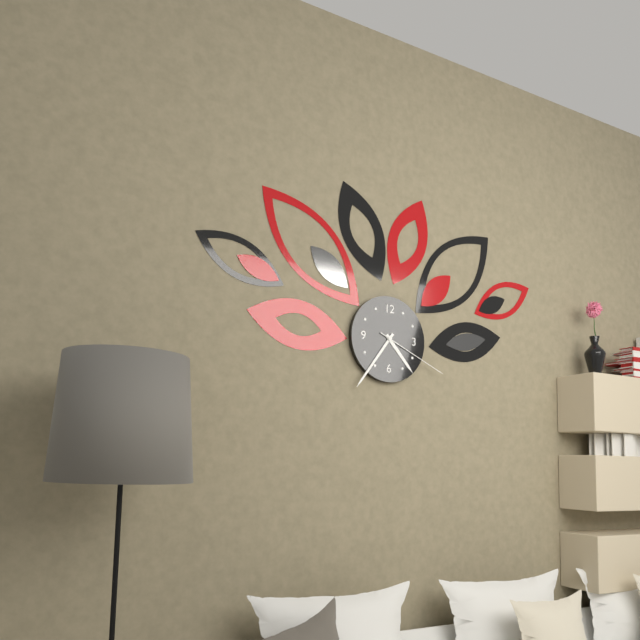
4h36m19s
